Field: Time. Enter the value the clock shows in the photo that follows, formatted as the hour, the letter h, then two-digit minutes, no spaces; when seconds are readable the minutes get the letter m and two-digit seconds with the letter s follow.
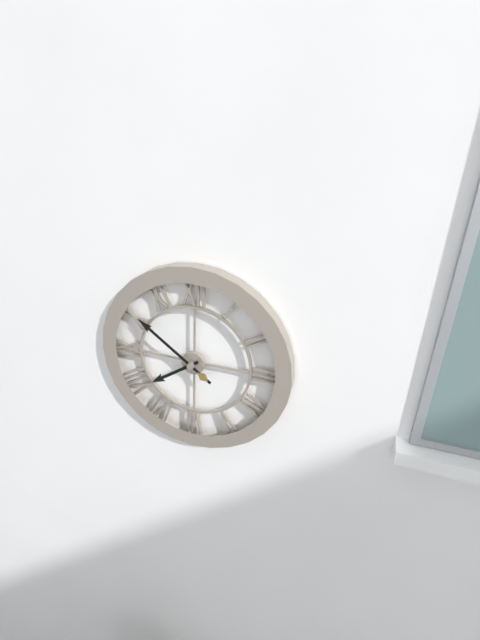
7h51
